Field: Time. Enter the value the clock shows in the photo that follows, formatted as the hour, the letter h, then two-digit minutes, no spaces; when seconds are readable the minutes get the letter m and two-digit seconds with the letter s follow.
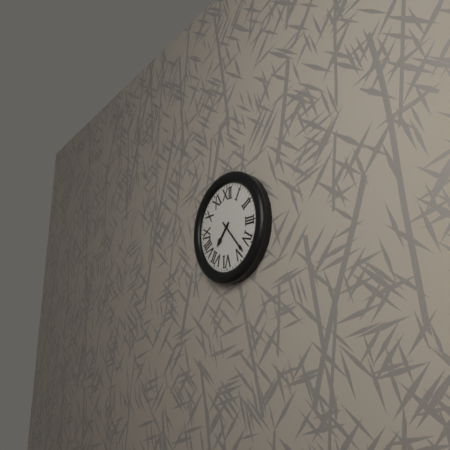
7h23
